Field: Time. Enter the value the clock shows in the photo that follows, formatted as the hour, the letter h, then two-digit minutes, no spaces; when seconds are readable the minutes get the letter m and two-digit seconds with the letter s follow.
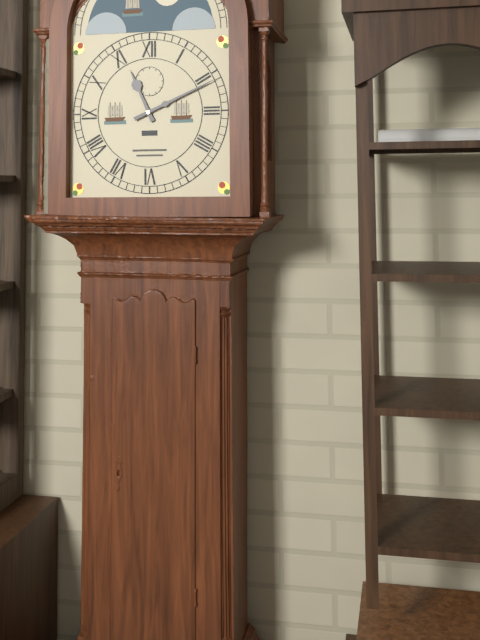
11h11
